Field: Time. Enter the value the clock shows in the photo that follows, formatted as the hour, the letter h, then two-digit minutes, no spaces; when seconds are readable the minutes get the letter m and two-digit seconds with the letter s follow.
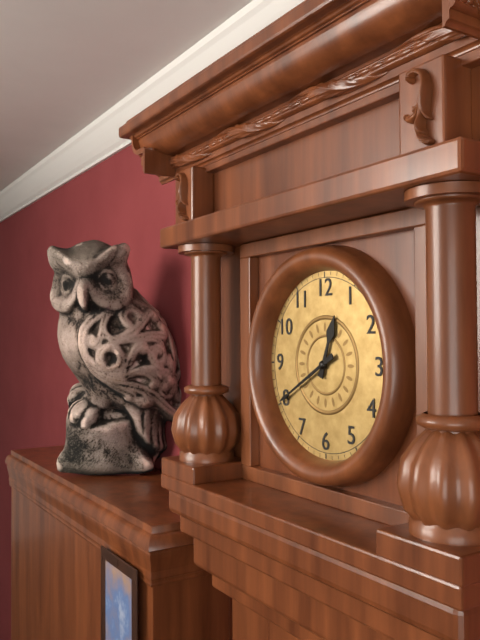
12h40
